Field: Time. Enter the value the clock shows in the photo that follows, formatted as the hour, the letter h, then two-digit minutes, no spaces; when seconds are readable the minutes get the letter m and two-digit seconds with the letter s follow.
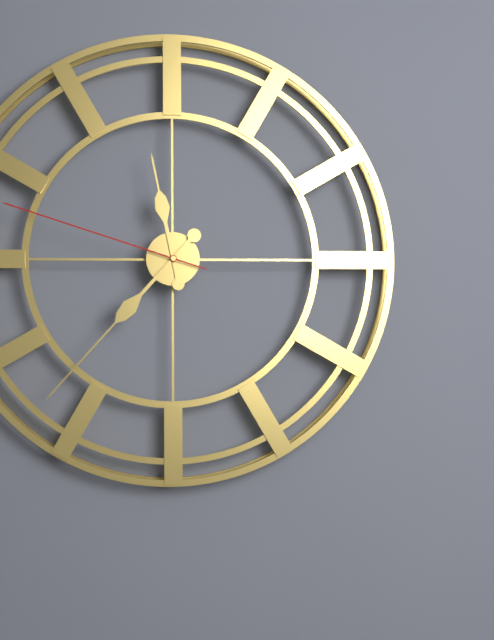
11h37m48s
